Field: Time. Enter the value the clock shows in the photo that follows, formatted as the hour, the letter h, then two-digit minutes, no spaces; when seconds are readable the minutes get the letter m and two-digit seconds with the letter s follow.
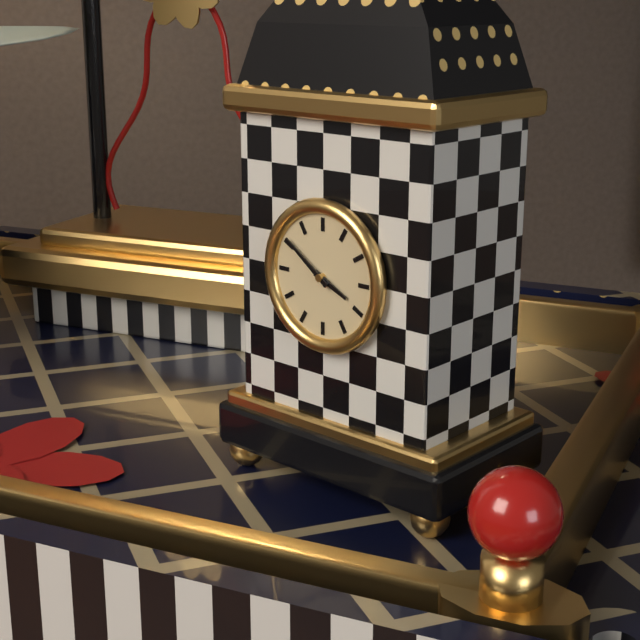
3h51
